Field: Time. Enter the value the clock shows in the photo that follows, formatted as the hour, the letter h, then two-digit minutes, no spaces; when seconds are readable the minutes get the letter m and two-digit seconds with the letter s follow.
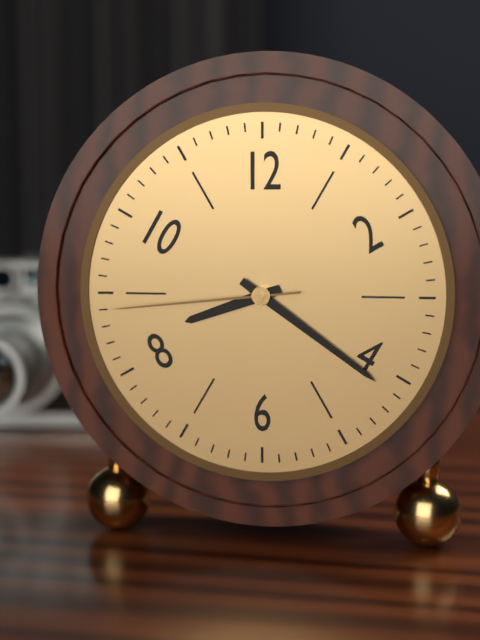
8h21m44s
